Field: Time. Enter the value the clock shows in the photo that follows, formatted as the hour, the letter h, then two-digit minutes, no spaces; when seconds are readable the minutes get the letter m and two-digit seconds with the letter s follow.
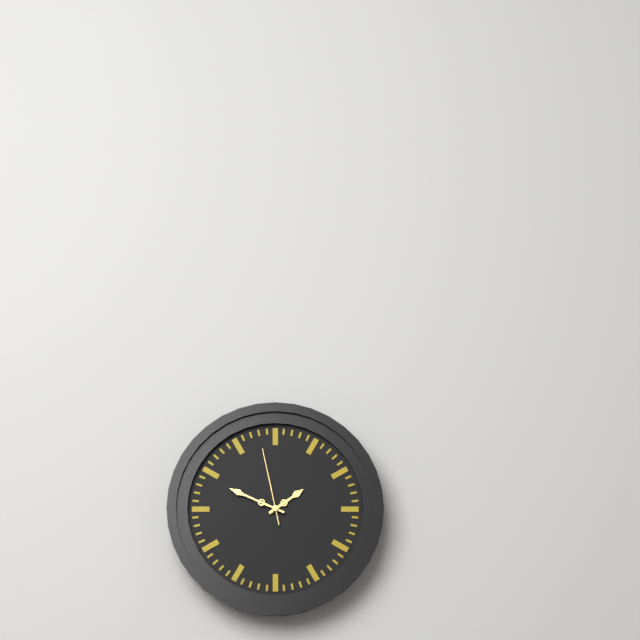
1h49m58s
